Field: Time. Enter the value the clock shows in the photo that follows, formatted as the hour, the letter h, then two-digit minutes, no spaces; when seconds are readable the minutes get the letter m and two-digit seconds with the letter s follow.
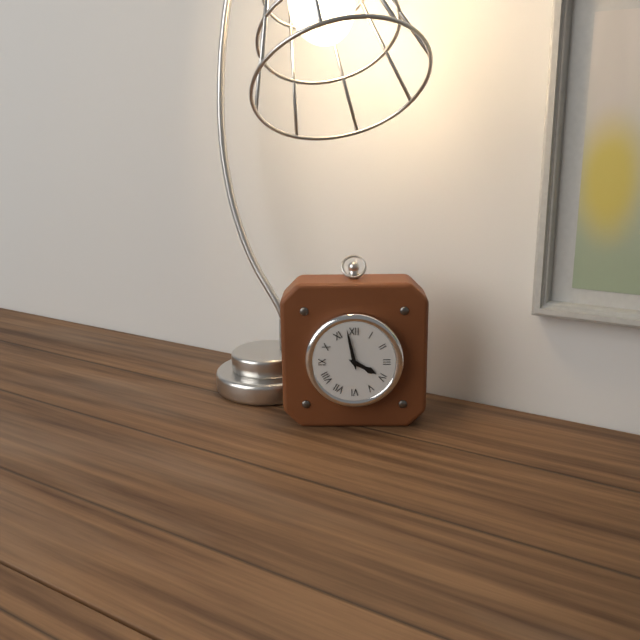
3h58
